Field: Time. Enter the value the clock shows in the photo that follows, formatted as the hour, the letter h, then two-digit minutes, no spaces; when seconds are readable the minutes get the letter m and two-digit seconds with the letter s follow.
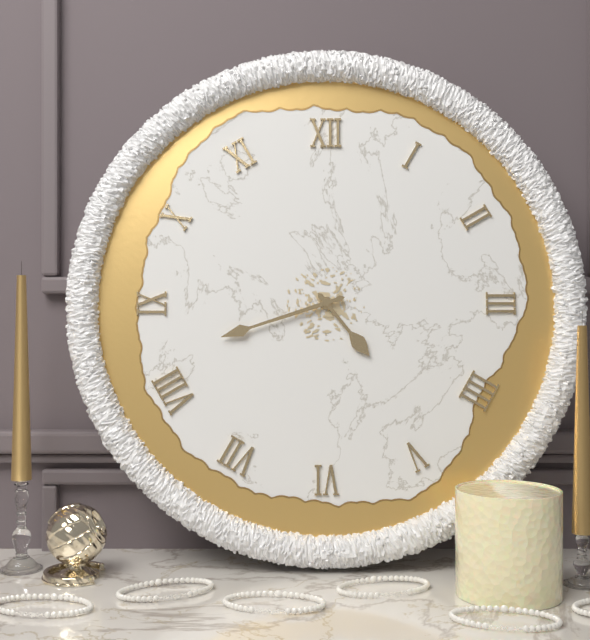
4h42
